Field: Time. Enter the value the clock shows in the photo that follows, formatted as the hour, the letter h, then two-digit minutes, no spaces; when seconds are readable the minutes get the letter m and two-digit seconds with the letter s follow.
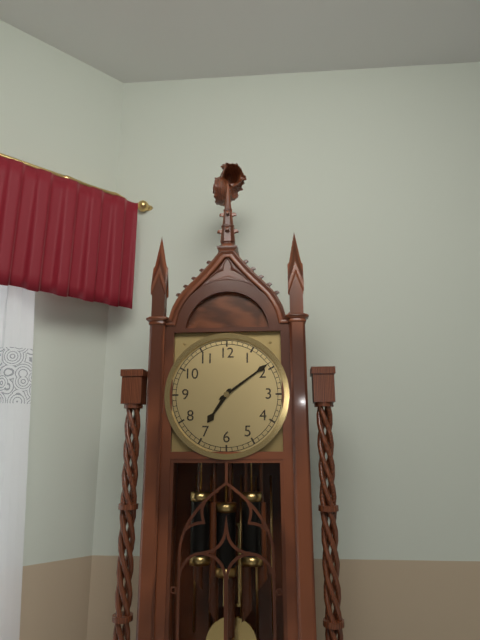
7h09
